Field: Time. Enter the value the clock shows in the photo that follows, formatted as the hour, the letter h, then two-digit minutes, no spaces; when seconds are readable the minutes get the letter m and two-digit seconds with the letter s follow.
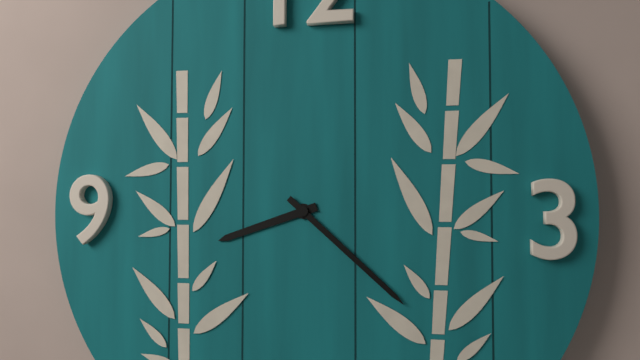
8h22
